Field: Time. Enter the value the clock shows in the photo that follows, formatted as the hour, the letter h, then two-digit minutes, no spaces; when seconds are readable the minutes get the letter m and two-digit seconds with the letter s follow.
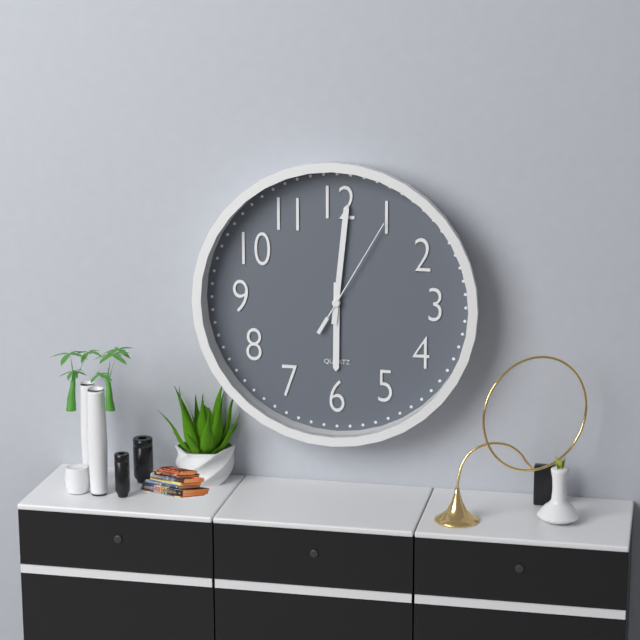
6h01m05s
